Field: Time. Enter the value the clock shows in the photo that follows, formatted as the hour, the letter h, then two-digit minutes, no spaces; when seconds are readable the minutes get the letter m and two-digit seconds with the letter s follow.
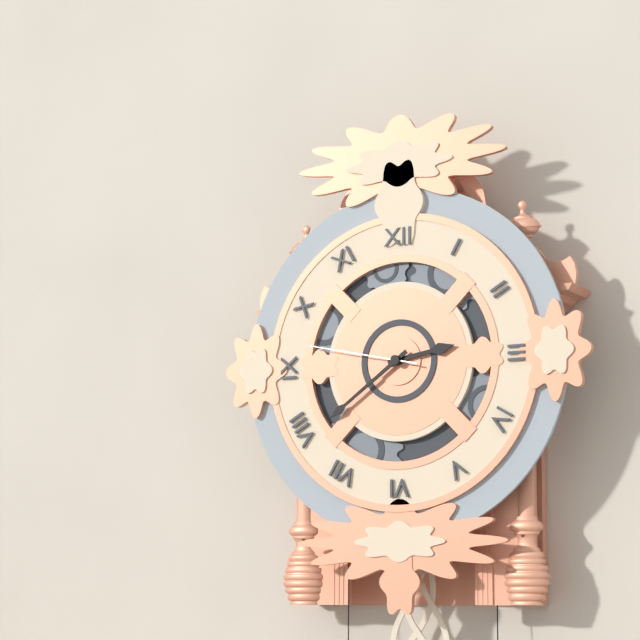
2h39m47s
